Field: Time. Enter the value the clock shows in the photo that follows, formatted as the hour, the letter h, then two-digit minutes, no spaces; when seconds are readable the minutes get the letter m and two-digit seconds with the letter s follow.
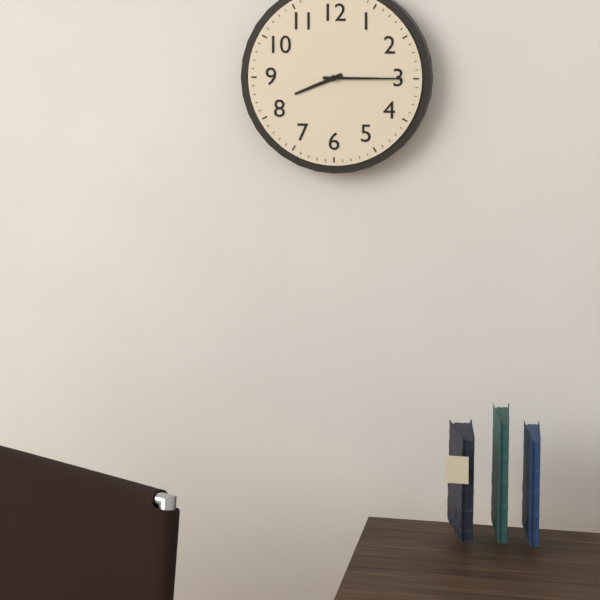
8h15
